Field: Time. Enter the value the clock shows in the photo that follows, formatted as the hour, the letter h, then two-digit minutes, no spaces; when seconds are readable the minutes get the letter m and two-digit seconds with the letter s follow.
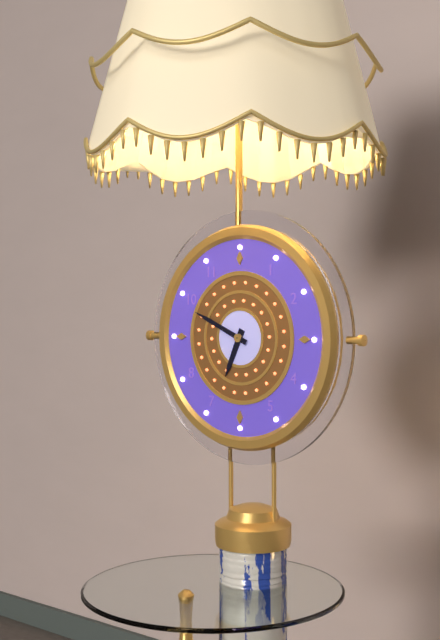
6h49
